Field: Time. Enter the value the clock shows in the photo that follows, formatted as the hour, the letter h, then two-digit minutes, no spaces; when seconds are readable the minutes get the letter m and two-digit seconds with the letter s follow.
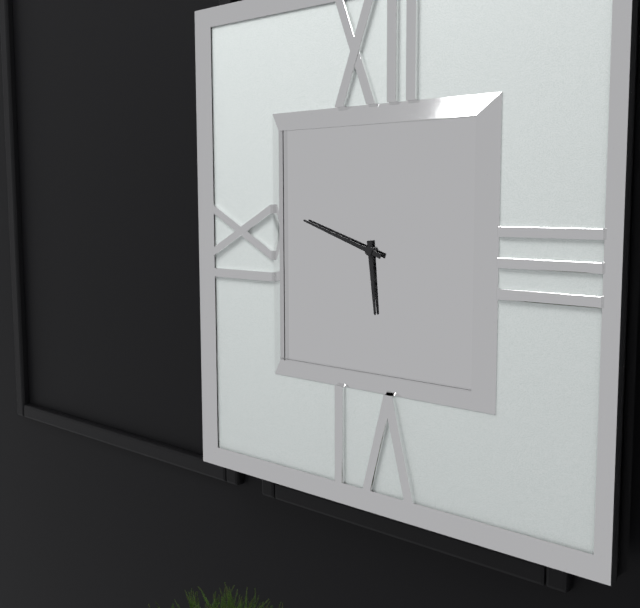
5h48
